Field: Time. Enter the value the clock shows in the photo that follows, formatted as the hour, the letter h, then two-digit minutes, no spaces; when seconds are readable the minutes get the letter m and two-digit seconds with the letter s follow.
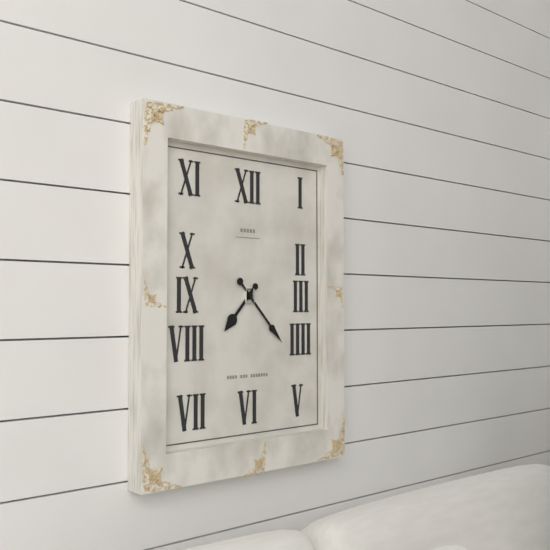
7h23
